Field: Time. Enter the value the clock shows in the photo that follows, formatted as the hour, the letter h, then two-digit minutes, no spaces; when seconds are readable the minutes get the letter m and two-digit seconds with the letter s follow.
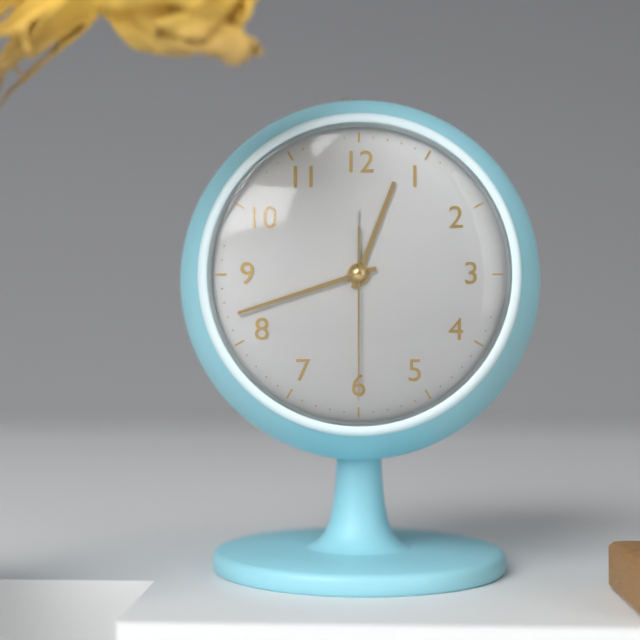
12h42m30s
